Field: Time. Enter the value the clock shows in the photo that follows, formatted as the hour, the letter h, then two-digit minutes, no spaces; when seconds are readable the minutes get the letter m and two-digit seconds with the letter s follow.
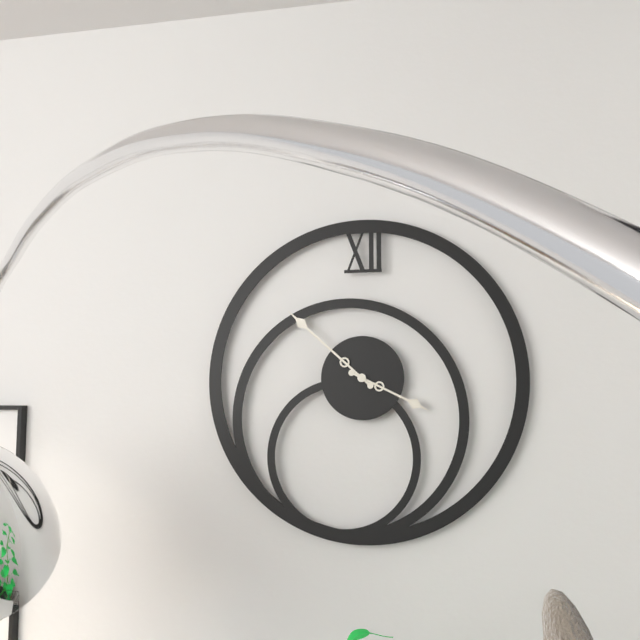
3h52
